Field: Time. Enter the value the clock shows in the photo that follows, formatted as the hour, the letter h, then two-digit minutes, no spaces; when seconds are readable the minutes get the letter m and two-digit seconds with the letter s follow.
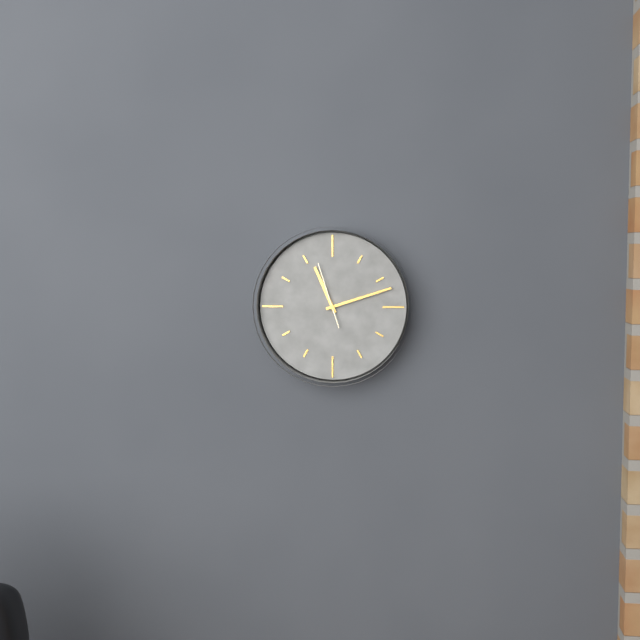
11h12m57s
